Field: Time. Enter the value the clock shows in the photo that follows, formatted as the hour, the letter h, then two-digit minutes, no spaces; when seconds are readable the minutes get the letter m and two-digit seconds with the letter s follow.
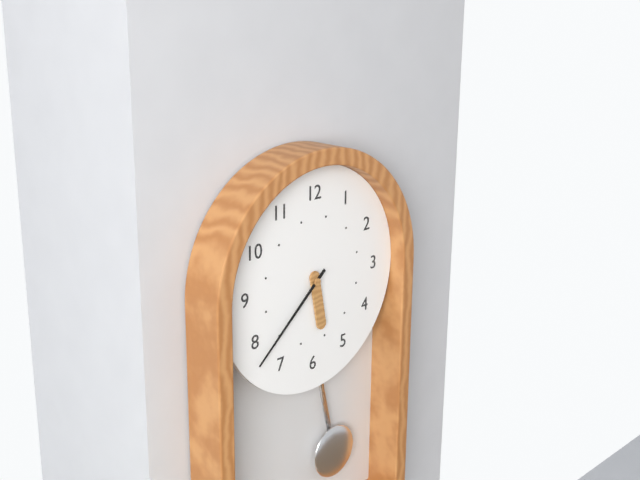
5h38
